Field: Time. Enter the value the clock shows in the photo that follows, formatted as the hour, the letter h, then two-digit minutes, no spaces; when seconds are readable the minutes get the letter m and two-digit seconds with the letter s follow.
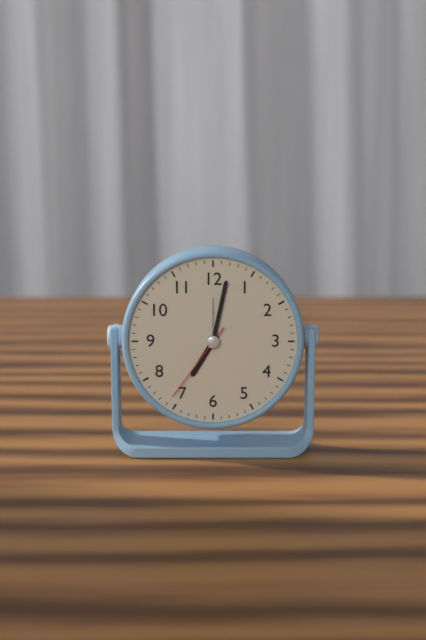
7h02m36s
